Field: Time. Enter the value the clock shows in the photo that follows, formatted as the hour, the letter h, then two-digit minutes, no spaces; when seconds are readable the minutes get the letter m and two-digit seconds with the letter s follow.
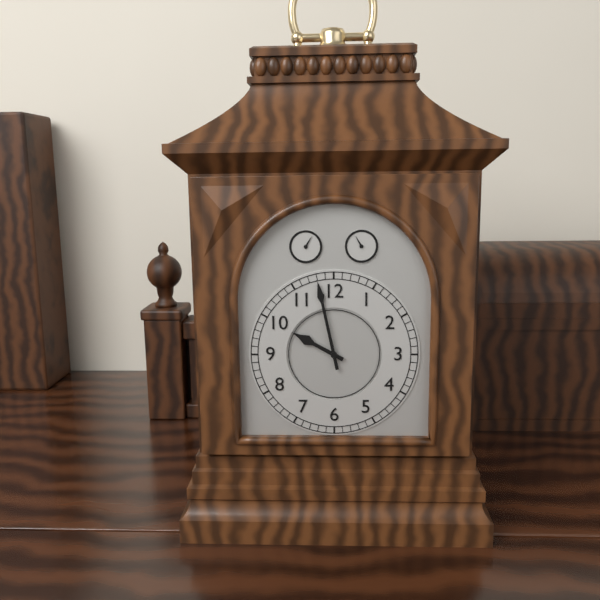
9h58
